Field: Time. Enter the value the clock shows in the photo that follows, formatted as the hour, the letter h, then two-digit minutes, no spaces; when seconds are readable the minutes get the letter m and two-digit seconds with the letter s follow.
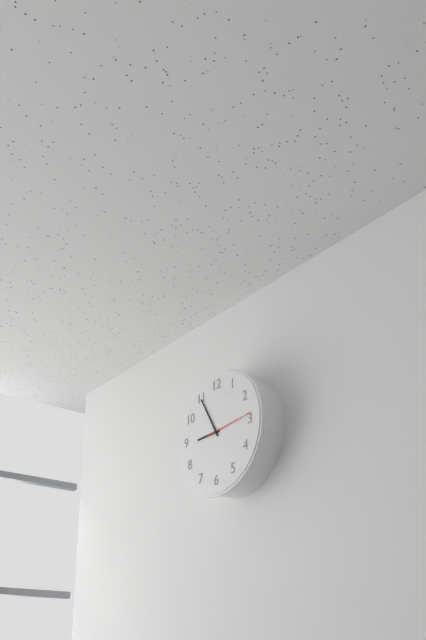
8h55m14s
